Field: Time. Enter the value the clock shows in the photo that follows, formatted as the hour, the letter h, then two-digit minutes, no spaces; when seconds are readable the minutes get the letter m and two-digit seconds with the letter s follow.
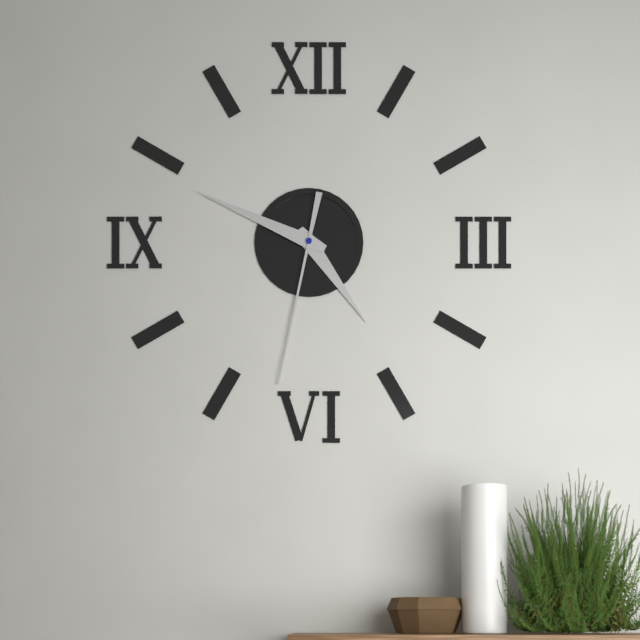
4h49m32s
